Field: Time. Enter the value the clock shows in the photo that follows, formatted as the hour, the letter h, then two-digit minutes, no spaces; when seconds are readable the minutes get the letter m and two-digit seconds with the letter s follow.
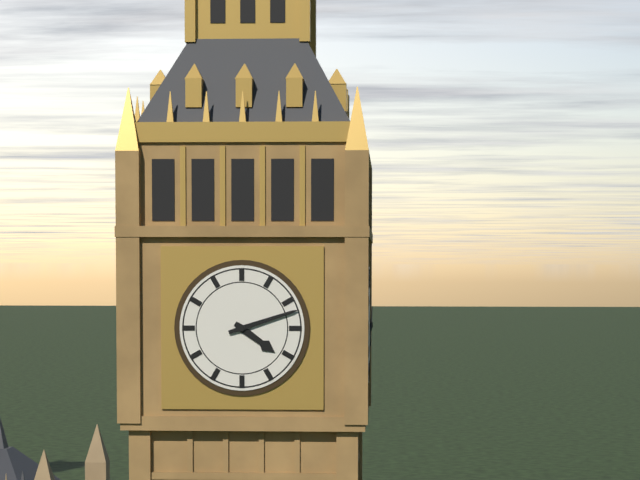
4h12
